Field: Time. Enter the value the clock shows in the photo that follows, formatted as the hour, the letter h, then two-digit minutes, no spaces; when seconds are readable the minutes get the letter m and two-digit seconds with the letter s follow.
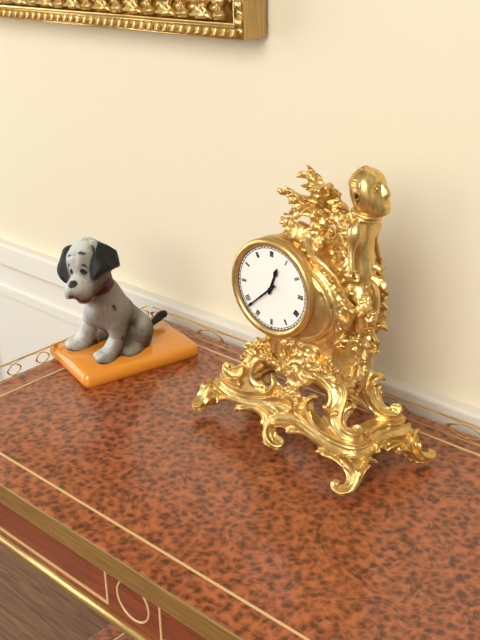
12h38
